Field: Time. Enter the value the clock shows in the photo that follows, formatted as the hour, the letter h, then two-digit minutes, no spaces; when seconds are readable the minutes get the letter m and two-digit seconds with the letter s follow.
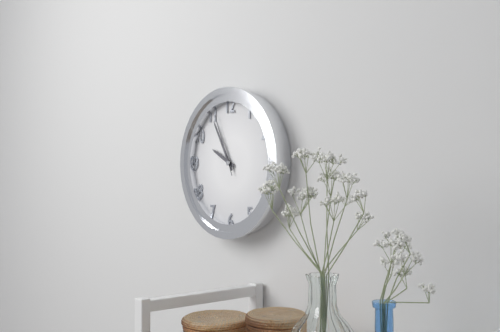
9h55m56s
